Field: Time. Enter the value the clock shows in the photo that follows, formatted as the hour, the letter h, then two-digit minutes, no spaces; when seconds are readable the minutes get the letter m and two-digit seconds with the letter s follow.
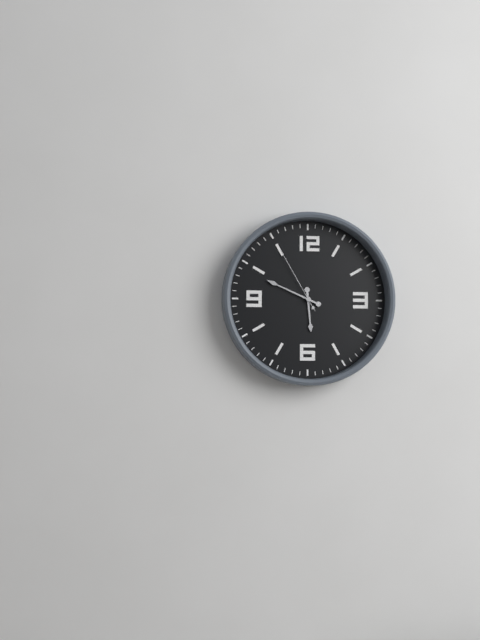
5h49m55s
